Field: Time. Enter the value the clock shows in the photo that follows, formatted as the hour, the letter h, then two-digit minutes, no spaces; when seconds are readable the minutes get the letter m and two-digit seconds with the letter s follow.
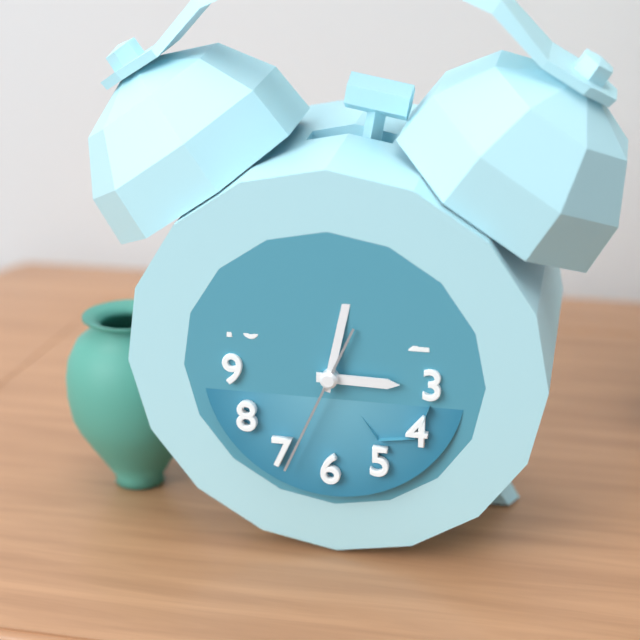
3h02m34s
